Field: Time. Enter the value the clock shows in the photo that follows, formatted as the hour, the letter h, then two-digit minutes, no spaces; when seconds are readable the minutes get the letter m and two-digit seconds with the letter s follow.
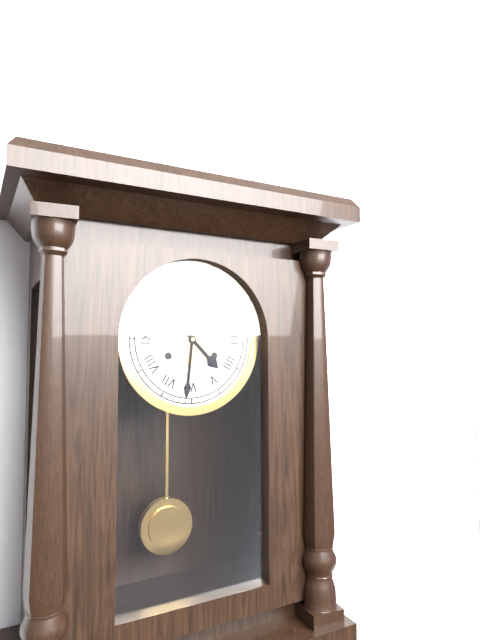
4h31
